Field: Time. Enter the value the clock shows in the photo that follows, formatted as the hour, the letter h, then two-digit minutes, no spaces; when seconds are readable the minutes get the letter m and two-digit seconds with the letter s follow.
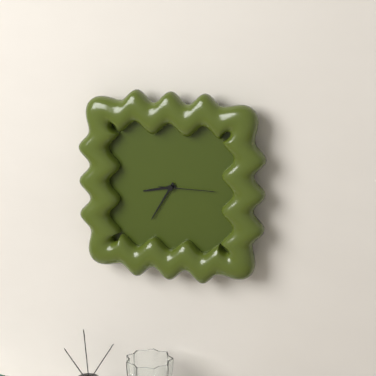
8h35m15s
